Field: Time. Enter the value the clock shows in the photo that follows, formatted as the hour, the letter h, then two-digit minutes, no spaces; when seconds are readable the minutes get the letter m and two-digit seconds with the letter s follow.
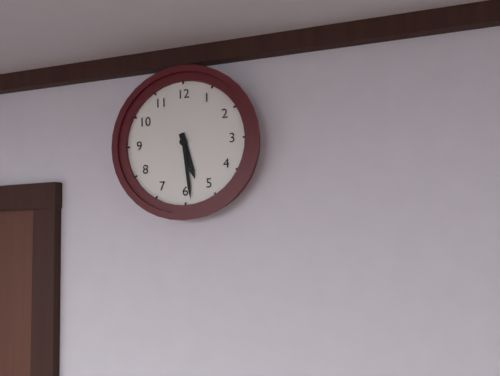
5h29
